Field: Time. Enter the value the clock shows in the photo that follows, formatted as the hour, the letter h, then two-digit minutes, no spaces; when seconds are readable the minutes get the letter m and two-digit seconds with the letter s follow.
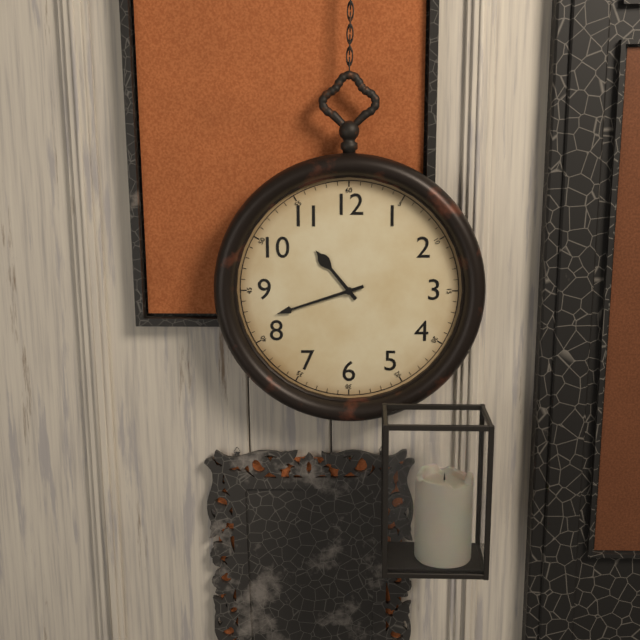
10h42
